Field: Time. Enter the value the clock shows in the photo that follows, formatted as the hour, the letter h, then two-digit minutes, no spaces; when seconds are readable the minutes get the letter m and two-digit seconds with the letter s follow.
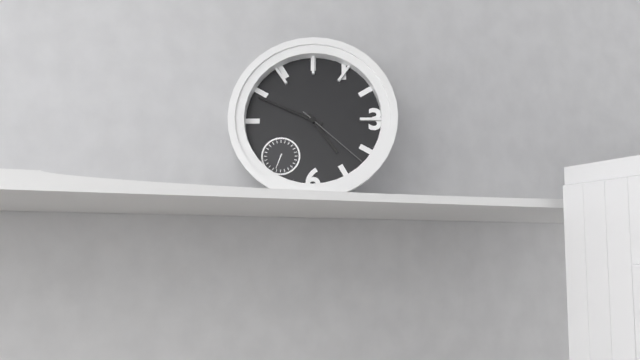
4h49m22s
